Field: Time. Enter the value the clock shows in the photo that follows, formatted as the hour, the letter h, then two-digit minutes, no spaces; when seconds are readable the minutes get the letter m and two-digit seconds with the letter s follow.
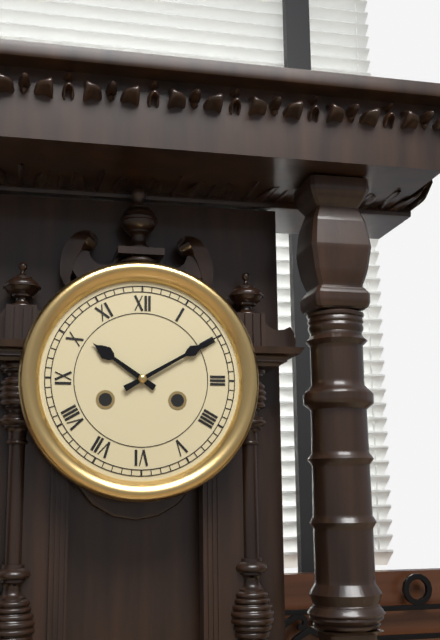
10h10
